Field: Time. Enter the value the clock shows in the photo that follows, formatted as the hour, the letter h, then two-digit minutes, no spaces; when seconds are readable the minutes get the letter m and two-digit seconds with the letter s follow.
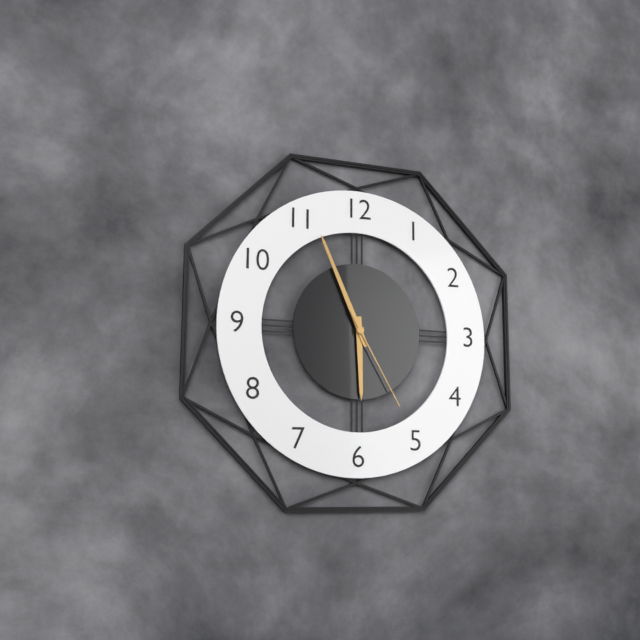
5h56m25s
